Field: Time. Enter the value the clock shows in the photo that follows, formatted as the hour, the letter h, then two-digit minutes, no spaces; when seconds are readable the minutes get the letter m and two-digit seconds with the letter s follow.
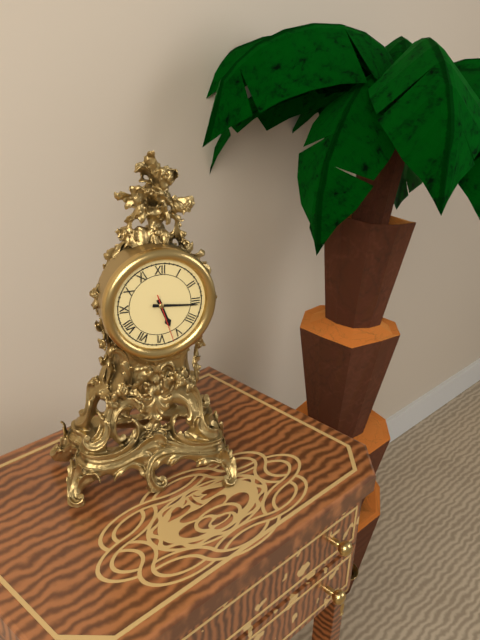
5h16
